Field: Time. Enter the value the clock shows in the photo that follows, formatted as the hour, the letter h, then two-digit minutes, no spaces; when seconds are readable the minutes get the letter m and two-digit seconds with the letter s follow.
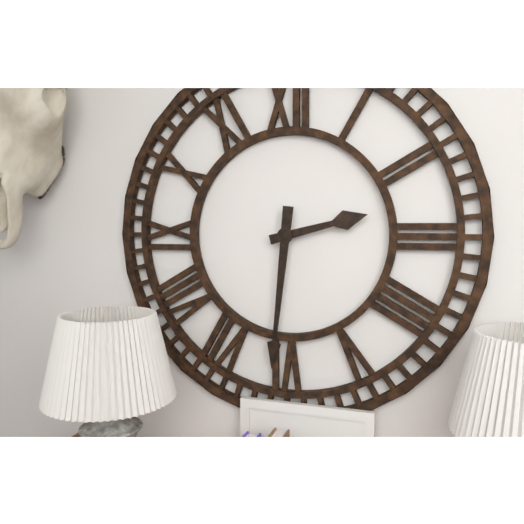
2h31
